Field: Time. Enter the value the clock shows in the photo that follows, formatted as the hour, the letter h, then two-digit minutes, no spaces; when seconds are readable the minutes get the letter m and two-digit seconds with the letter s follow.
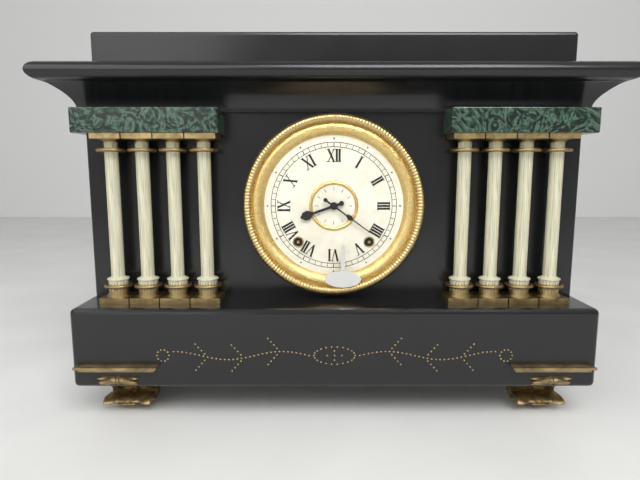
8h21
